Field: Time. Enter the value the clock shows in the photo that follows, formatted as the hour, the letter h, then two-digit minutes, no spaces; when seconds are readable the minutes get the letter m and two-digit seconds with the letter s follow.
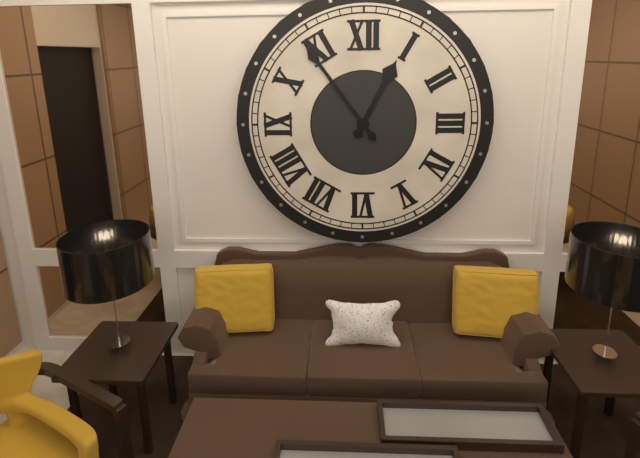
12h54
